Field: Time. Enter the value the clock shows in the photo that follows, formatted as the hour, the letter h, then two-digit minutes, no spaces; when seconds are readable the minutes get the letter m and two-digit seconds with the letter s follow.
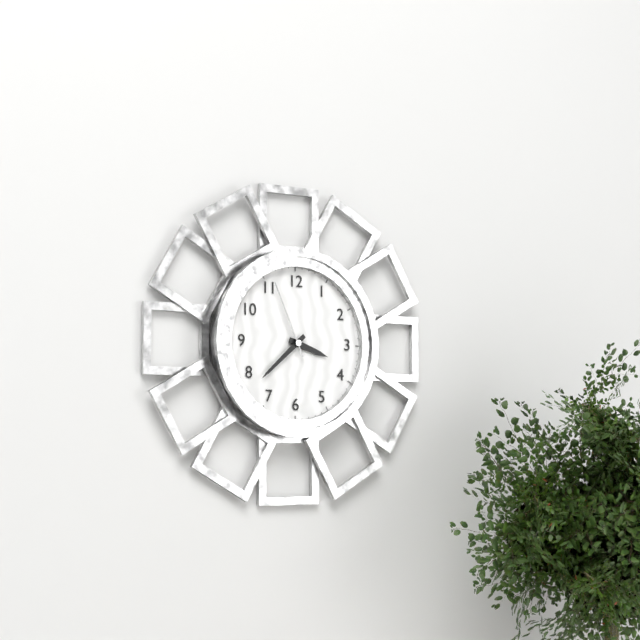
3h38m56s
